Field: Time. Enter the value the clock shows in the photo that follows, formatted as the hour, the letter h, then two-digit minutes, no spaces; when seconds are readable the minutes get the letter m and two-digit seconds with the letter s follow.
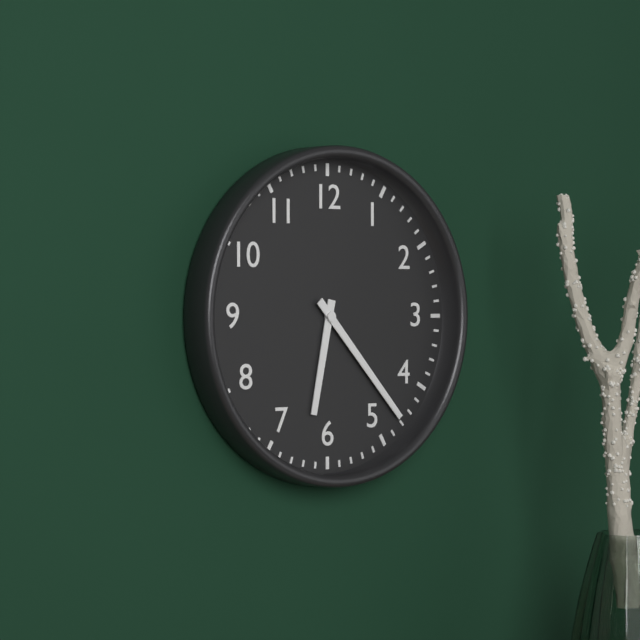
6h23
